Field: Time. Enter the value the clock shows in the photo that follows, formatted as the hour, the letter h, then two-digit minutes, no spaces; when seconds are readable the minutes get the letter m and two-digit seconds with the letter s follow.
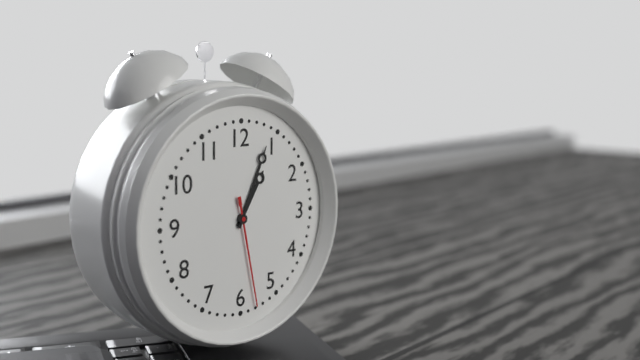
1h04m28s
